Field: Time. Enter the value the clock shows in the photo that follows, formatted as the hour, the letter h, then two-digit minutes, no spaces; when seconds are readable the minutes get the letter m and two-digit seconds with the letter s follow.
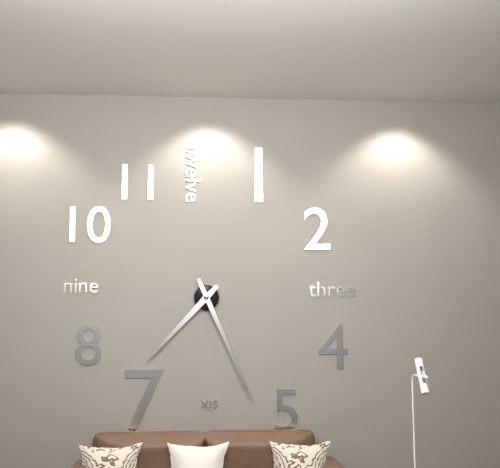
7h26
